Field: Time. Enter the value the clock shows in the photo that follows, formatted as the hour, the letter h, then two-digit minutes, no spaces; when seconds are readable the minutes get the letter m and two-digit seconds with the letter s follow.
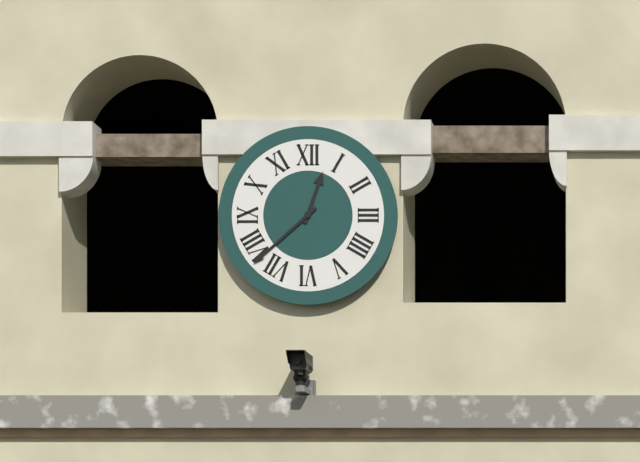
12h38
